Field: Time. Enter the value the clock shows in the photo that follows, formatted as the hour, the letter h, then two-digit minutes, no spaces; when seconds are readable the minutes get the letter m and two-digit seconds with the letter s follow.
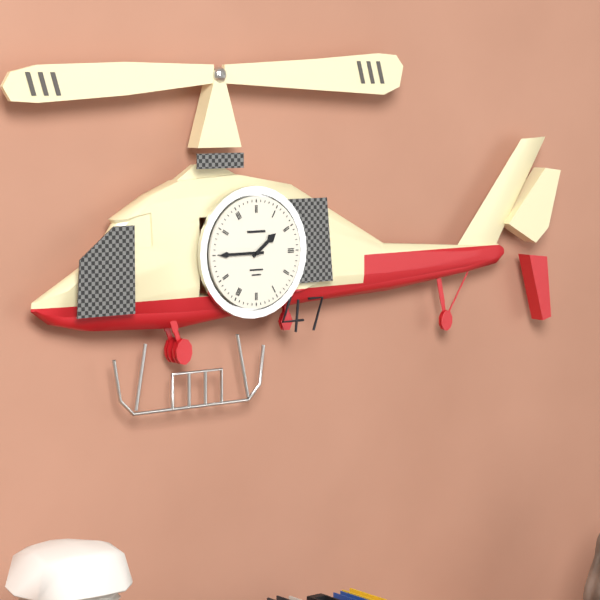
1h45
